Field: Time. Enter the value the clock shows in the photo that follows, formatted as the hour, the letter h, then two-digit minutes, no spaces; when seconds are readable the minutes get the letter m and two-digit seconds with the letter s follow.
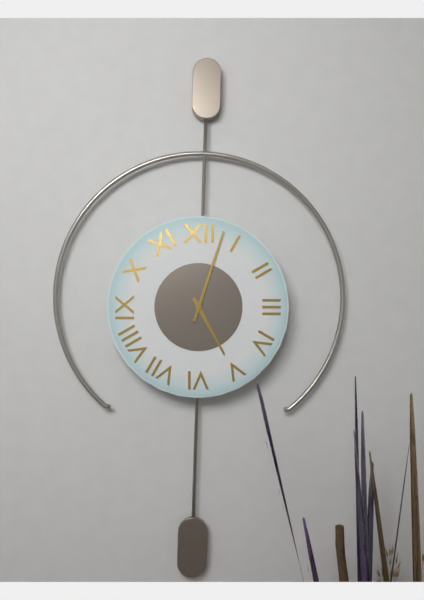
5h03
